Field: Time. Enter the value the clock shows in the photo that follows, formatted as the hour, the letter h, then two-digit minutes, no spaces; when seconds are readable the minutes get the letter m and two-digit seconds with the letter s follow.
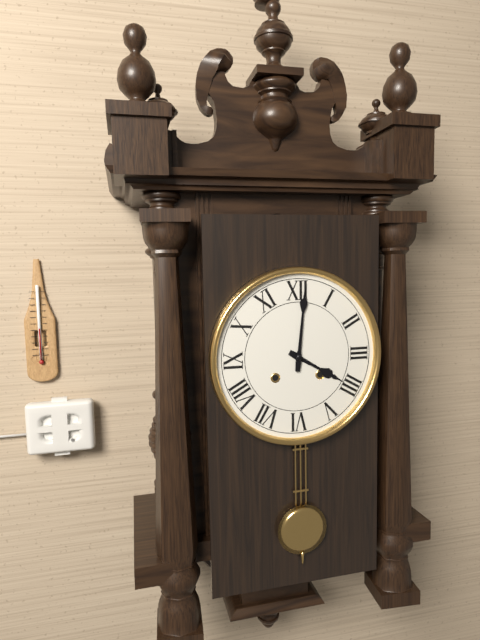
4h01
